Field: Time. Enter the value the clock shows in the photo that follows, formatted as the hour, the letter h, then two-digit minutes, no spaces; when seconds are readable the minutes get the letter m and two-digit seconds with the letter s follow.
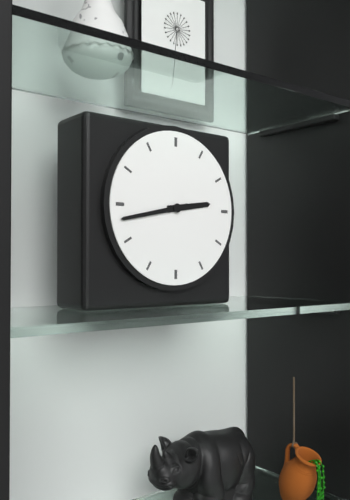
2h43
